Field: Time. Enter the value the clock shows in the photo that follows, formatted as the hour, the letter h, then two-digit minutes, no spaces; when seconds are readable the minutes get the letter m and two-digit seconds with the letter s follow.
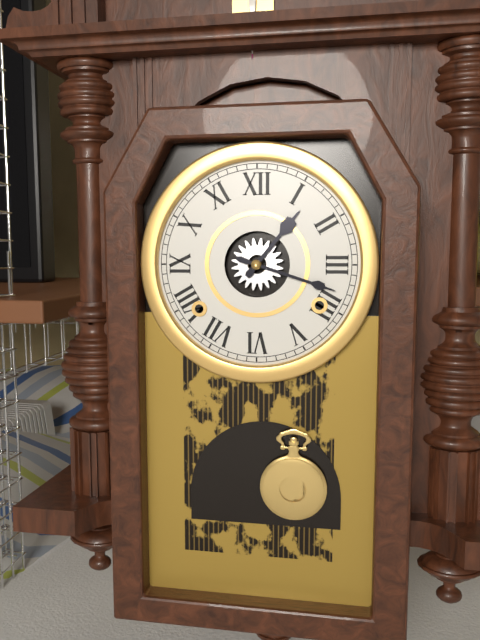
1h18
